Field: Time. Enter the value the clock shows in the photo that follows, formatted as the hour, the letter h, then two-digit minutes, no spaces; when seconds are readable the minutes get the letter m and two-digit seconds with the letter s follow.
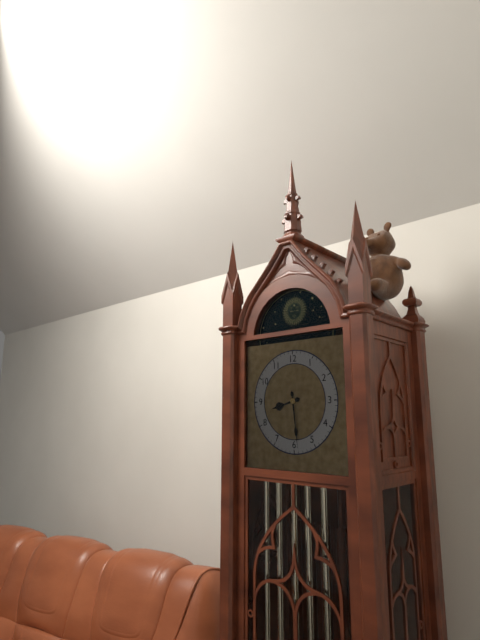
8h29
